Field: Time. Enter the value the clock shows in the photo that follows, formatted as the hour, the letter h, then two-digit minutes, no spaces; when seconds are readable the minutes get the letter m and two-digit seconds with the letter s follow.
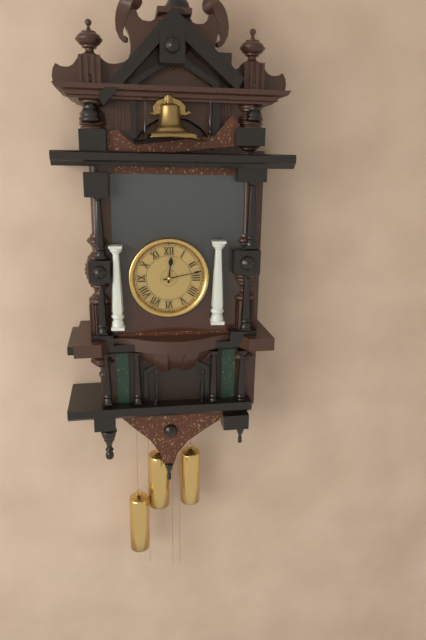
12h13
